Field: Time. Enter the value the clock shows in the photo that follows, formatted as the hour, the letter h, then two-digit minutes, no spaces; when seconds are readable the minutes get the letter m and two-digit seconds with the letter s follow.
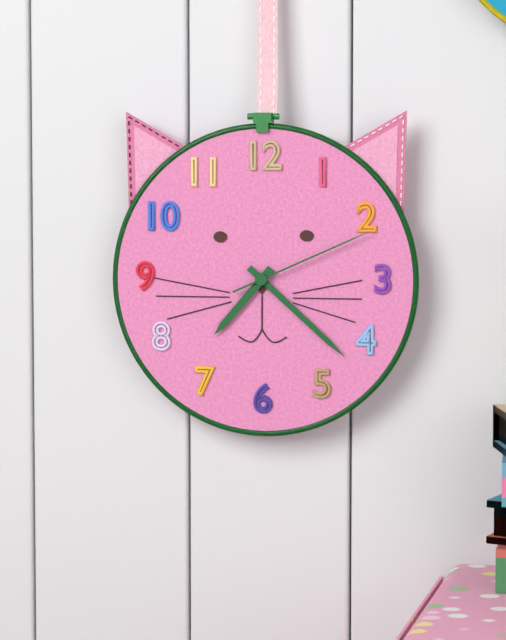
7h22m11s
